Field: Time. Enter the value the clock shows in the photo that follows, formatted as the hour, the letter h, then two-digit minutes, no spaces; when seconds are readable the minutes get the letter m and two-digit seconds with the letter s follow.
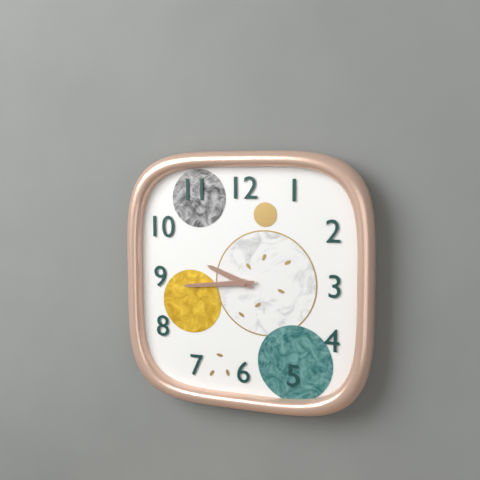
9h44
